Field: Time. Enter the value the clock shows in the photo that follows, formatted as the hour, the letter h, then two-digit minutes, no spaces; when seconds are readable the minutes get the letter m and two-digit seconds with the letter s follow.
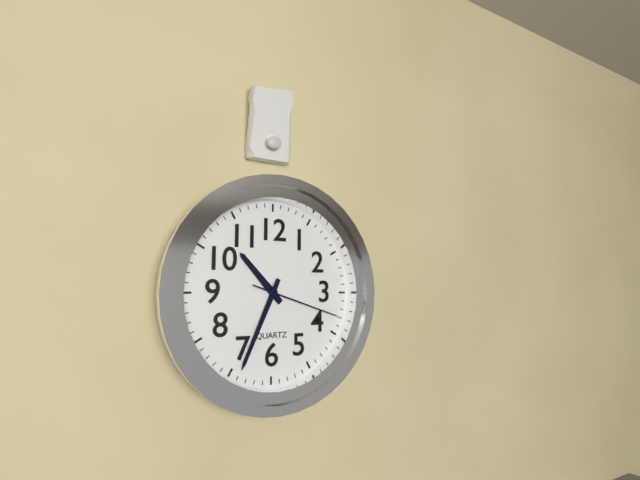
10h34m18s
